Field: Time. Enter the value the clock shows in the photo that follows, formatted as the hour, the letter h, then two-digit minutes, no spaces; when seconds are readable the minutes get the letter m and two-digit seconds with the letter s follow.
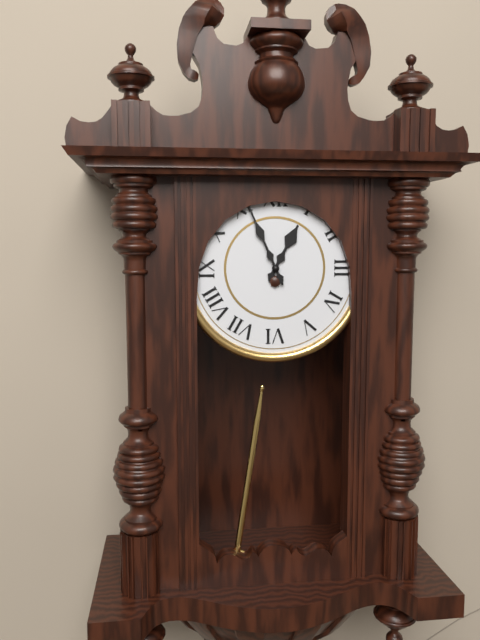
12h56
